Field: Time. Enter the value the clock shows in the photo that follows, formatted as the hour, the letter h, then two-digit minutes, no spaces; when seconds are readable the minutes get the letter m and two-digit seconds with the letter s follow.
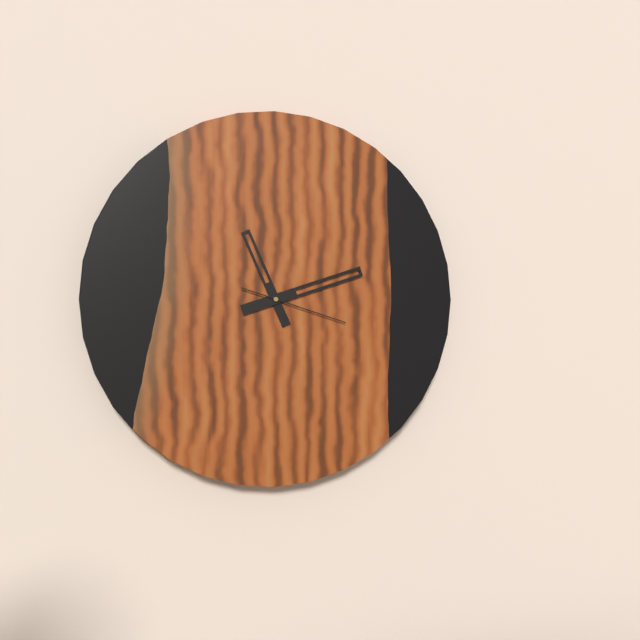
11h12m18s
